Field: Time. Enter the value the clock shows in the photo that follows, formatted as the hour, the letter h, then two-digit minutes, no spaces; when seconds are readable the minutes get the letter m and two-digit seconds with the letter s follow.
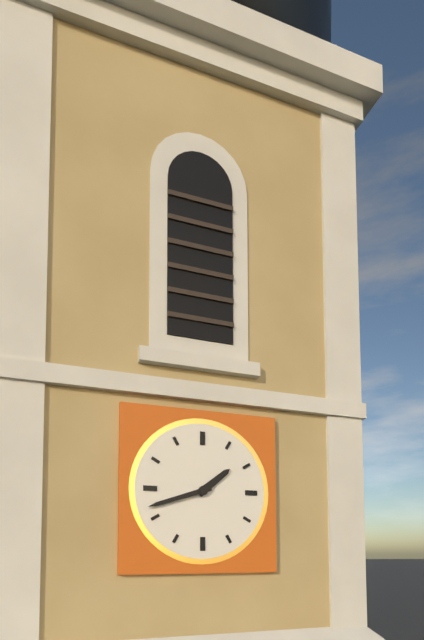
1h42
